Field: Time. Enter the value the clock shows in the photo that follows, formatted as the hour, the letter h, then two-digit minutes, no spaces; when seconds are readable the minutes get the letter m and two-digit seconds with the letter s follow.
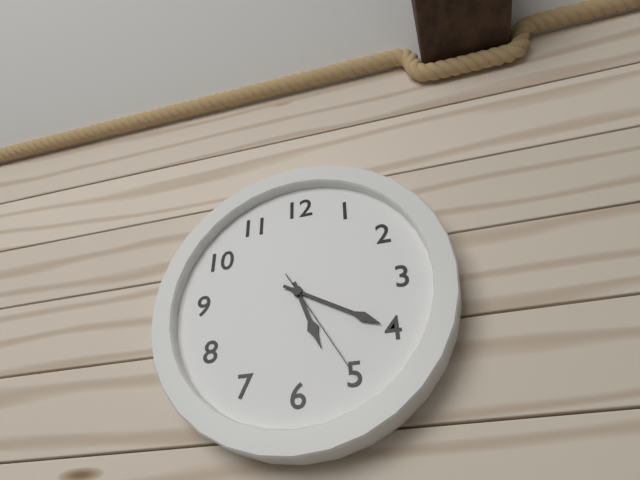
5h20m25s
